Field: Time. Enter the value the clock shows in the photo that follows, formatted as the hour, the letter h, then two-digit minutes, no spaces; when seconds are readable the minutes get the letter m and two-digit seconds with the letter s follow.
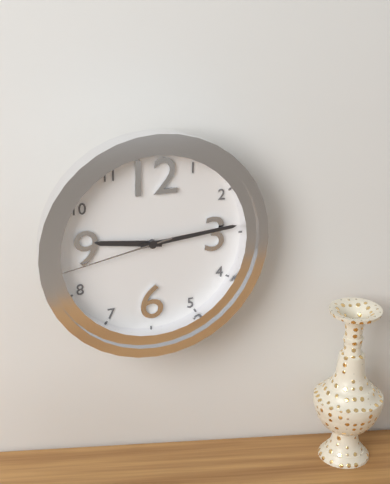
9h14m43s
